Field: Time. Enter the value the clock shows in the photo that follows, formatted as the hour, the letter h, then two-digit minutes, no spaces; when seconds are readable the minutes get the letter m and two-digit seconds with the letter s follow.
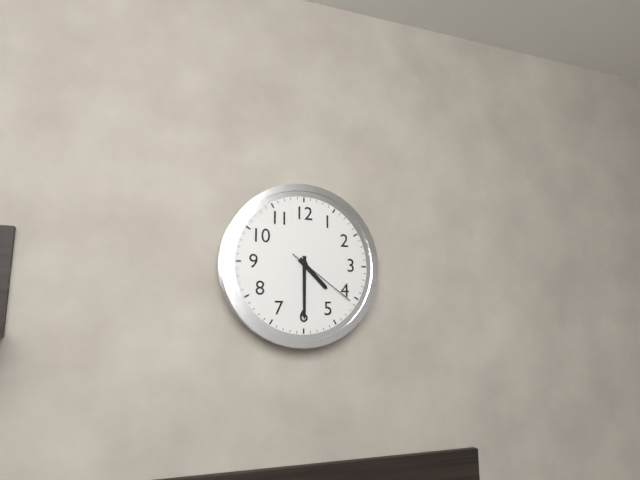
4h30m21s
